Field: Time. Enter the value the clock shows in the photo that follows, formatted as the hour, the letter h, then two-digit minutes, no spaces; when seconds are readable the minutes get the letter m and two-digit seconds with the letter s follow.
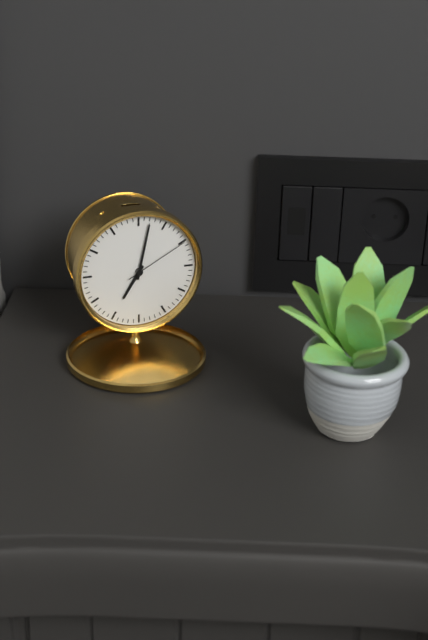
7h02m10s
